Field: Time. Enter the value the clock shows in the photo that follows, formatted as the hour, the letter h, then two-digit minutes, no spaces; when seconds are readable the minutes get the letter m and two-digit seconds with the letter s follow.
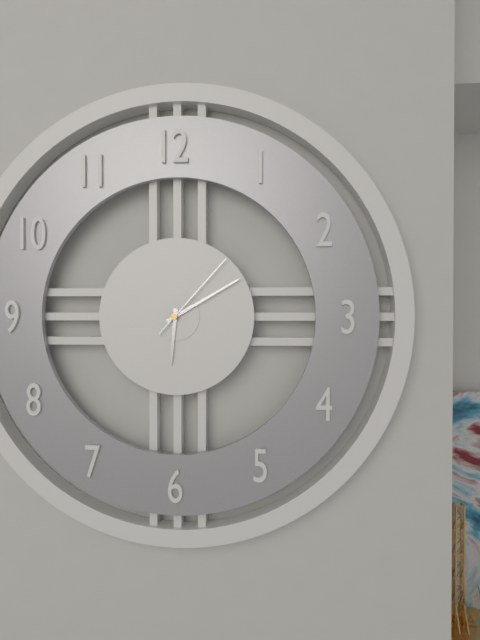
6h10m07s
